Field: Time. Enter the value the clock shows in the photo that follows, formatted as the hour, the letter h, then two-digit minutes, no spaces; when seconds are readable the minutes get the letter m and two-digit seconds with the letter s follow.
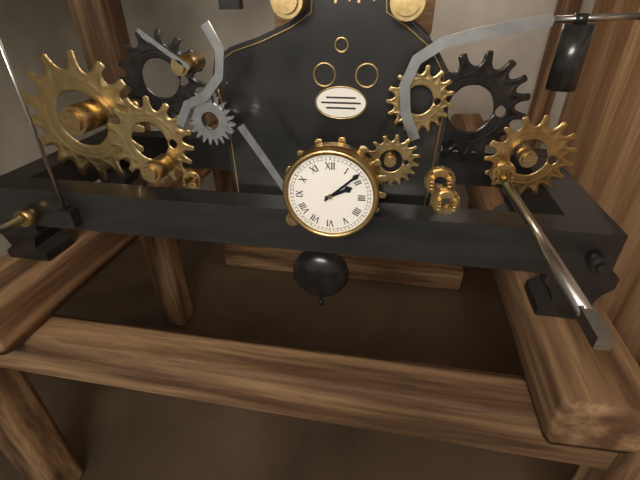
2h08
